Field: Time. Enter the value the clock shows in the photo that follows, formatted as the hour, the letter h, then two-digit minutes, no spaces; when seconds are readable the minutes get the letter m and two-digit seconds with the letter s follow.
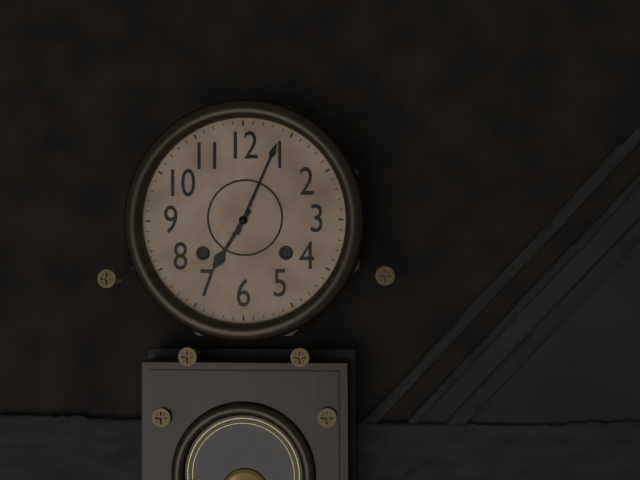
7h04
